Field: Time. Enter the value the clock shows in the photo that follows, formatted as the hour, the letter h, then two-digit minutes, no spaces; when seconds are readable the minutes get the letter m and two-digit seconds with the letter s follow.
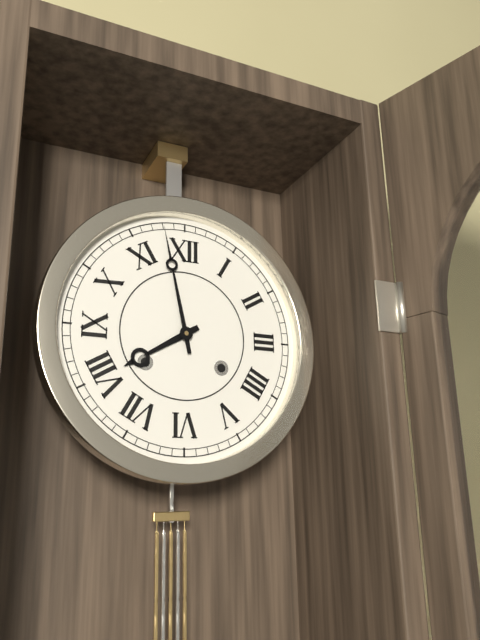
7h58
